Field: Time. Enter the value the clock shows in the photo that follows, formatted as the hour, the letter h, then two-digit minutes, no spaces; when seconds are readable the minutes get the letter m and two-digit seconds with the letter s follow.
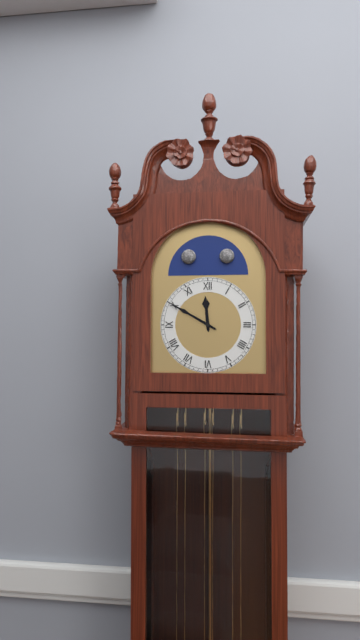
11h50
